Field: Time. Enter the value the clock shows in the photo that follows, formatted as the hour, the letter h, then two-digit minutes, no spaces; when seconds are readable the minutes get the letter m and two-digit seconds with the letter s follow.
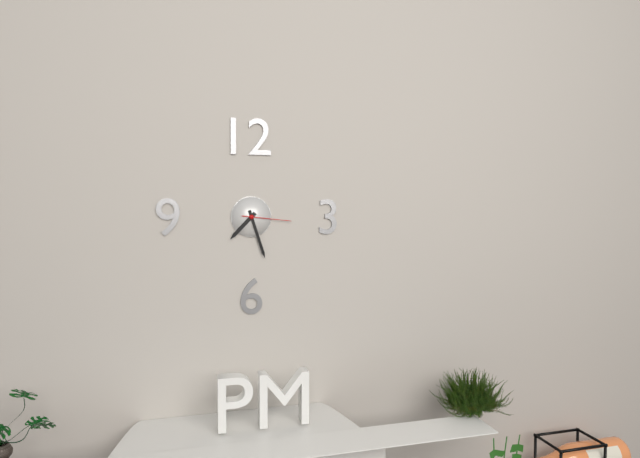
7h27m16s
